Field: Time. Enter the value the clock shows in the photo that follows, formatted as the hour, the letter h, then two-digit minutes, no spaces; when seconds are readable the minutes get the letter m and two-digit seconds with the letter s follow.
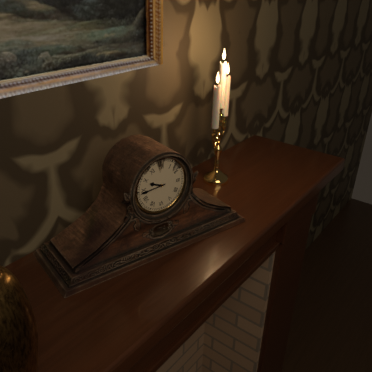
9h44
